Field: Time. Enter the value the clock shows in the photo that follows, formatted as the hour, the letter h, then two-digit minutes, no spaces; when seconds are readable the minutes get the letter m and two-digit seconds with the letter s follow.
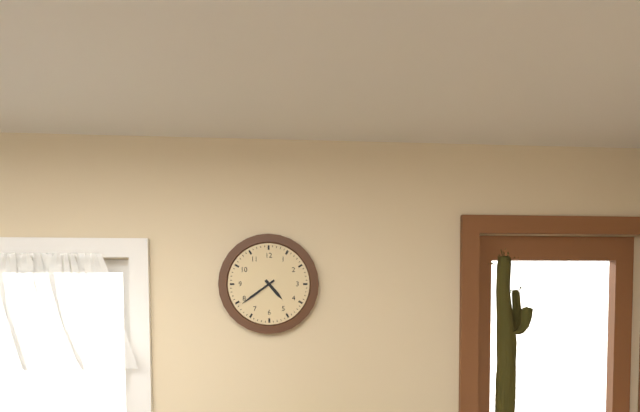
4h39
